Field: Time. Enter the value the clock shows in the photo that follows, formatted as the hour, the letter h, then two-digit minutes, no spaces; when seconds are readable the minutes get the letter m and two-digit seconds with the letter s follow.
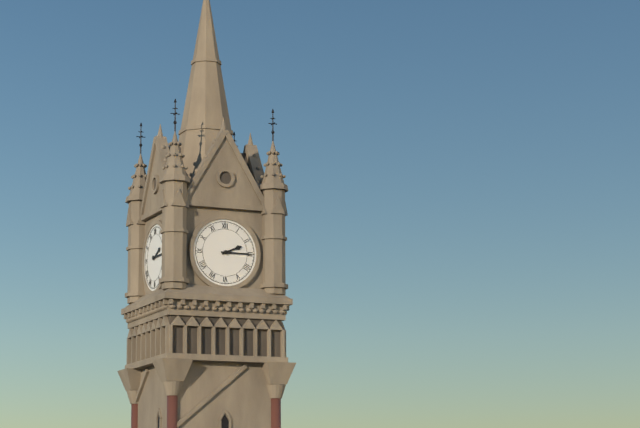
2h15
